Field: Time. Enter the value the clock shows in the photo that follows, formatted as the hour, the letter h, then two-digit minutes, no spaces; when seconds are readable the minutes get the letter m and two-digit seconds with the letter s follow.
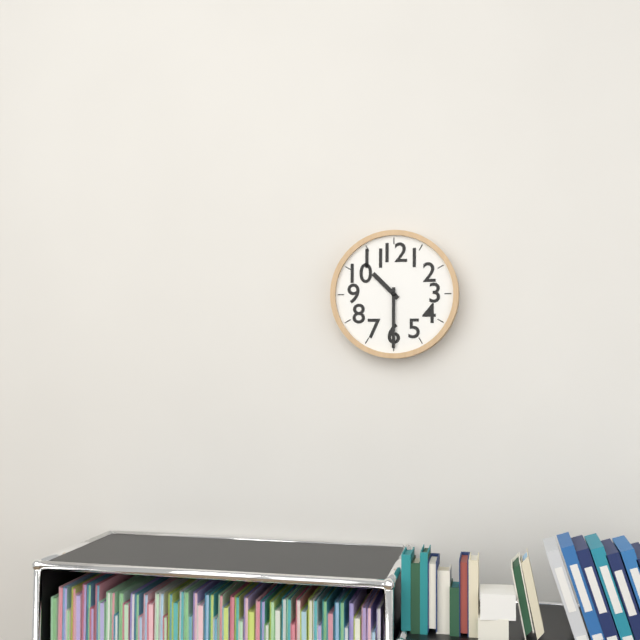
10h30
